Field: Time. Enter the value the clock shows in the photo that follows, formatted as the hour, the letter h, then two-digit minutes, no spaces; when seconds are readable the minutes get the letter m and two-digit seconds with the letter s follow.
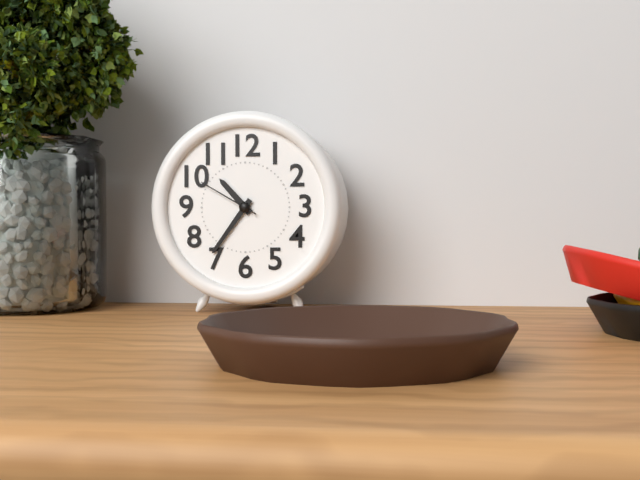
10h36m50s
